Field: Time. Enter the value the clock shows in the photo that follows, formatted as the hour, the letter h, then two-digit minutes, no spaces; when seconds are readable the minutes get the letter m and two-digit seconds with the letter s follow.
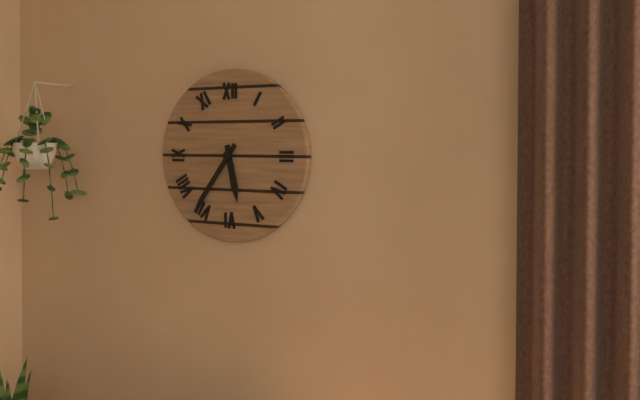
5h36
